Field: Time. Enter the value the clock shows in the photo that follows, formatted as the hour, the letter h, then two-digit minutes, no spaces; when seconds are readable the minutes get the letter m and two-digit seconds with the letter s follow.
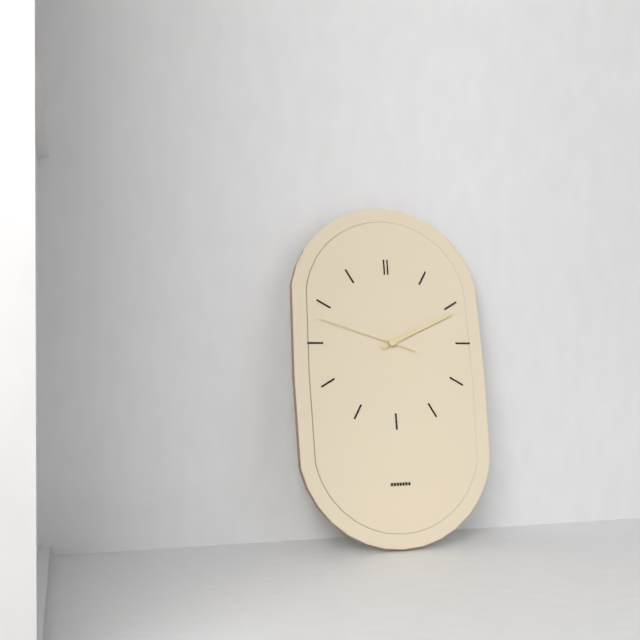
2h11m48s
